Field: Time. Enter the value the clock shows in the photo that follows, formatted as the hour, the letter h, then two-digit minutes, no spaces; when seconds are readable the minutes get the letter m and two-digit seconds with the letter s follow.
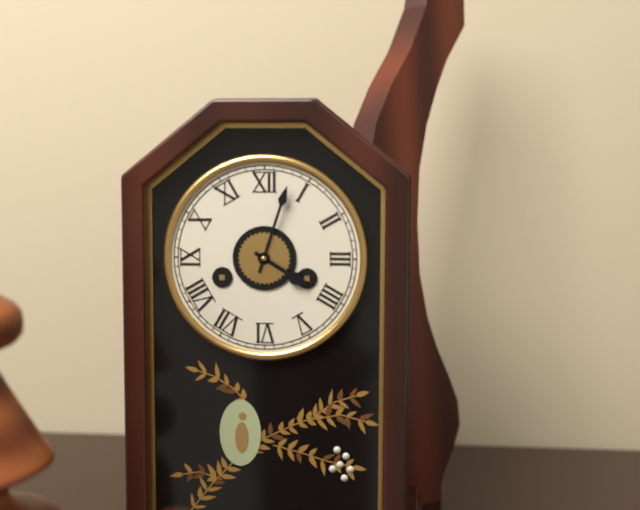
4h03
